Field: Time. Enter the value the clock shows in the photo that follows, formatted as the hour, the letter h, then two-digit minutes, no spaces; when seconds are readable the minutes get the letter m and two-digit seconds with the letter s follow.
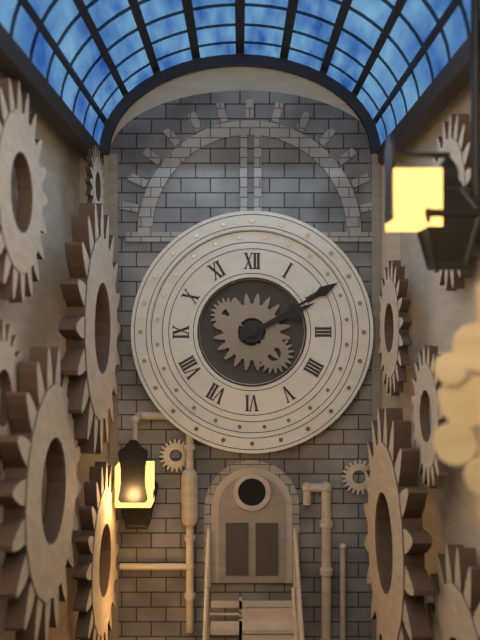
2h10
